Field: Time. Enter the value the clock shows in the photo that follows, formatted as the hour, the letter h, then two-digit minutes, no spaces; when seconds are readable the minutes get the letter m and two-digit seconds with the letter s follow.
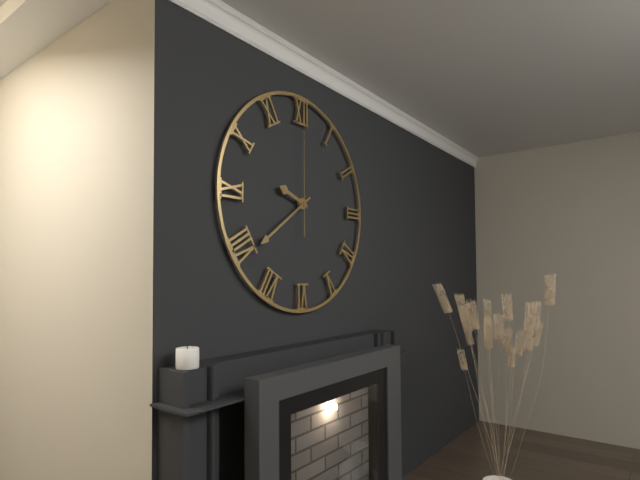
9h39m00s
